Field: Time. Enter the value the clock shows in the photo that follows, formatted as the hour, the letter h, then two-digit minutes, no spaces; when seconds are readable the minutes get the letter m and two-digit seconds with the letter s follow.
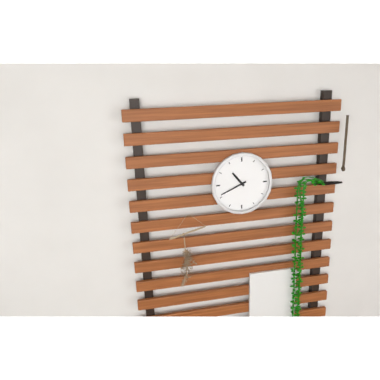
10h41
